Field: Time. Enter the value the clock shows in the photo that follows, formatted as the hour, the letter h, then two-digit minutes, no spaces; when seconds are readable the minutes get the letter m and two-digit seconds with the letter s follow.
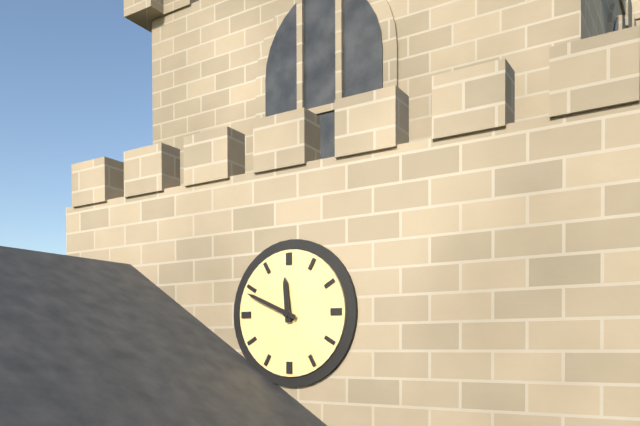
11h49
